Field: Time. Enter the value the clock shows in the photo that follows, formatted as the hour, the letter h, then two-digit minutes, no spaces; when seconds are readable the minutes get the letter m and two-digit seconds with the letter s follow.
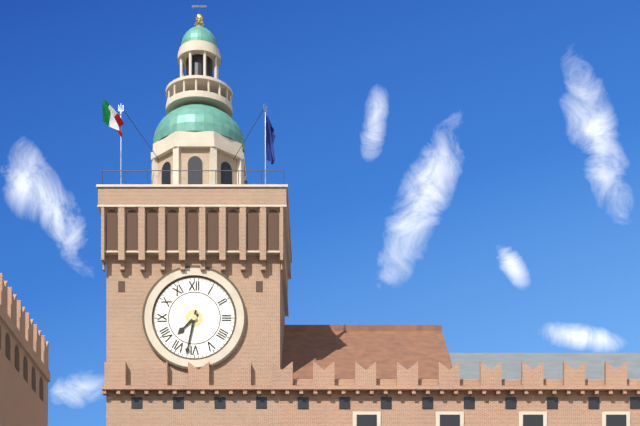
7h32
